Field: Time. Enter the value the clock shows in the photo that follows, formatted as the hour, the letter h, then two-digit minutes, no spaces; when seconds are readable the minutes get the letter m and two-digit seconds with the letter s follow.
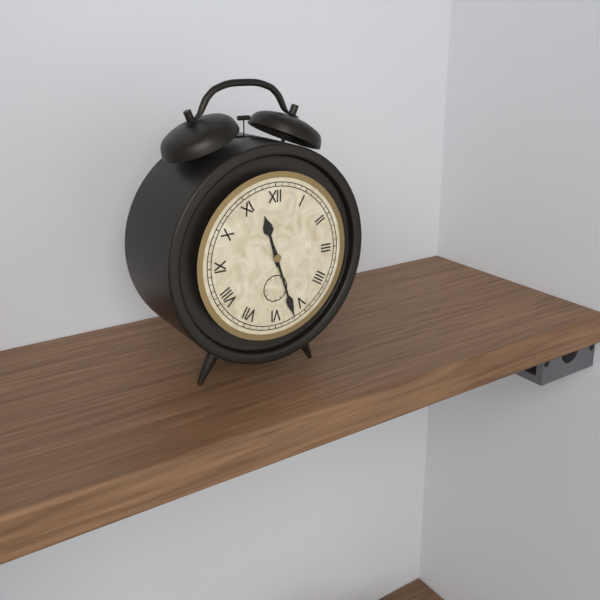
11h27
